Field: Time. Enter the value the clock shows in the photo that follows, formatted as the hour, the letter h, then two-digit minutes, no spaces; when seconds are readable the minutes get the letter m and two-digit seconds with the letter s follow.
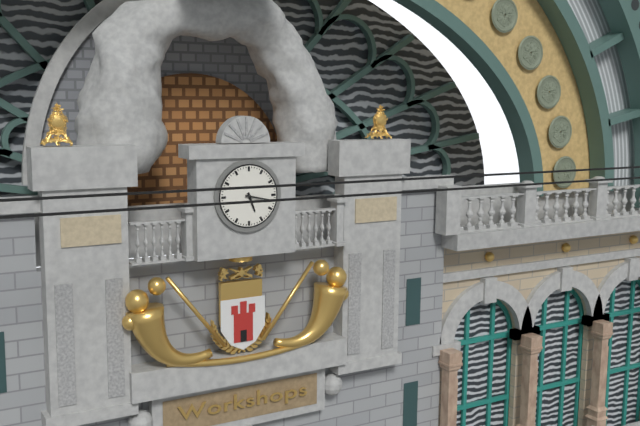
5h17
